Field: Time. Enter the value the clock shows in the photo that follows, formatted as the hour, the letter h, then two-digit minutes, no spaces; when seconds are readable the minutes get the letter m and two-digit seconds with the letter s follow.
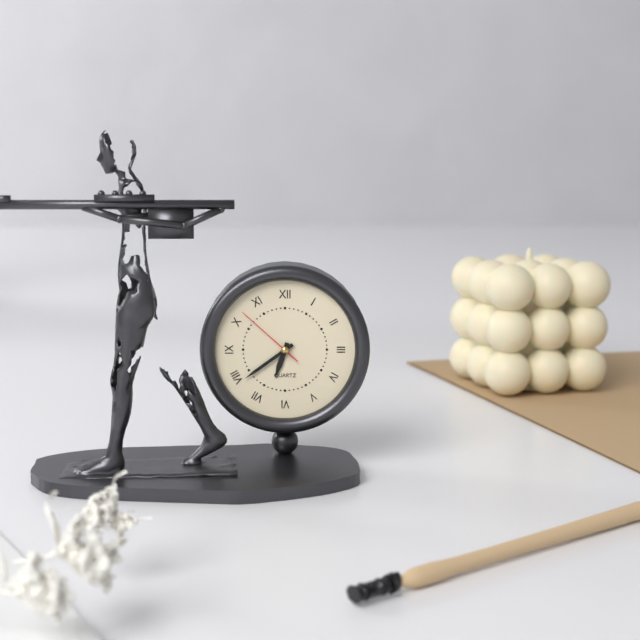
6h39m52s
